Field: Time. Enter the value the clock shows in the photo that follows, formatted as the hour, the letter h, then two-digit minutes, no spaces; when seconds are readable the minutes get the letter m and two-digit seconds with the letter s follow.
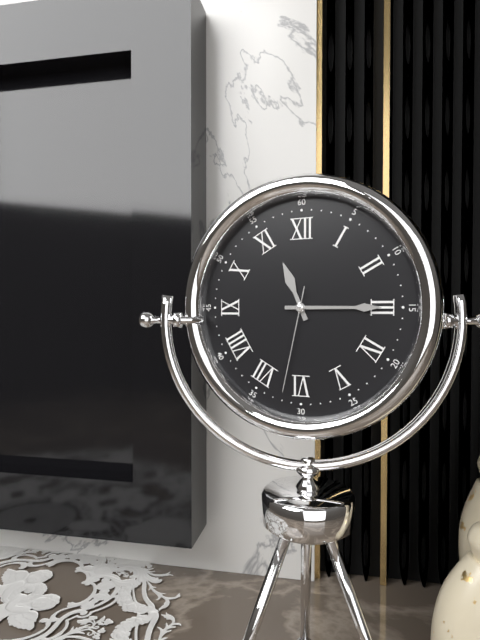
11h15m32s
